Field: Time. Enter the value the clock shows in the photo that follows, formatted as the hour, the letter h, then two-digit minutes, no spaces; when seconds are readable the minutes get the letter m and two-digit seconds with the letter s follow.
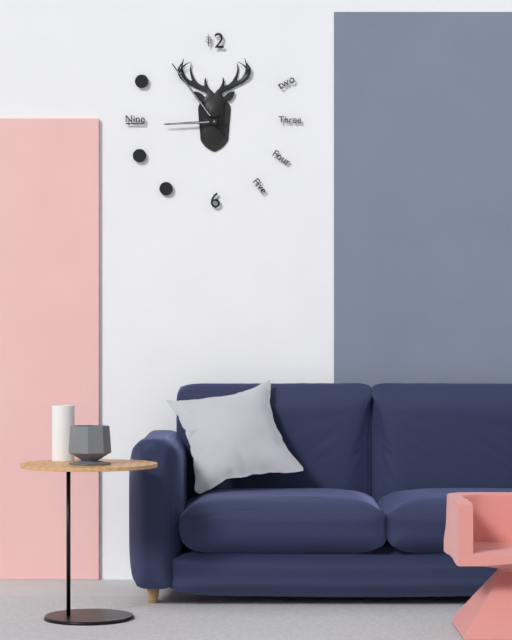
8h54
